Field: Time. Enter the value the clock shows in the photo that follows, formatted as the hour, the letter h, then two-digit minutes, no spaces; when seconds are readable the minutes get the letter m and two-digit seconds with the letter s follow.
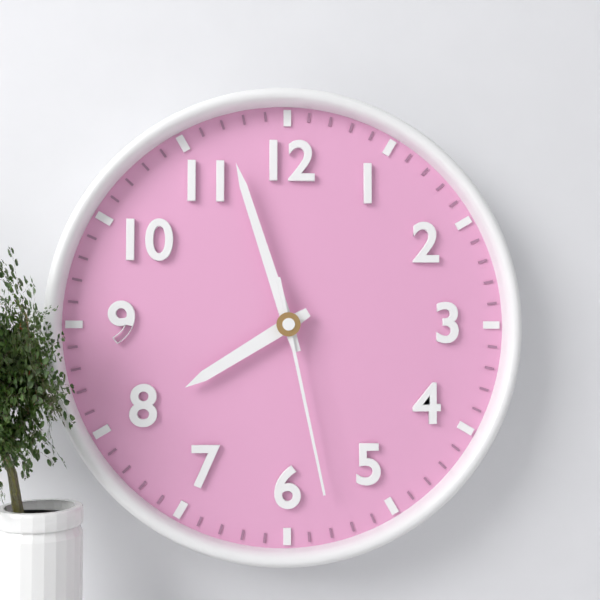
7h57m28s
